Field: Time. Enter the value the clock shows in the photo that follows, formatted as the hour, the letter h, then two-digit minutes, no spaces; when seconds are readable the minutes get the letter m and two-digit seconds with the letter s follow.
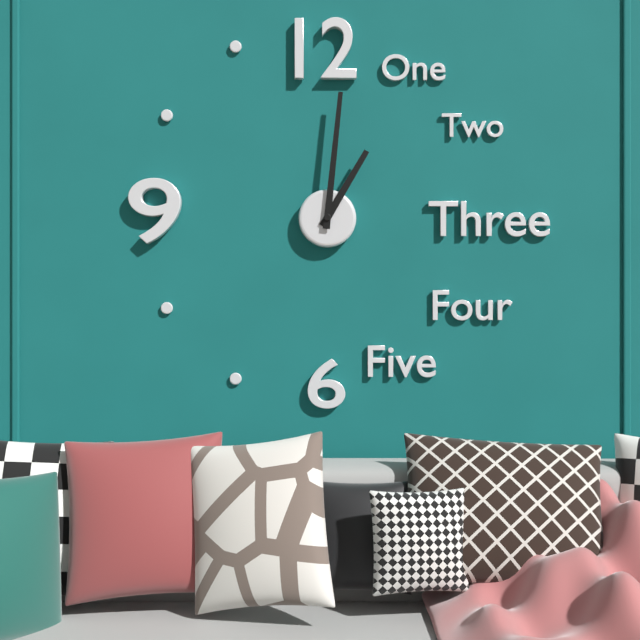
1h01
